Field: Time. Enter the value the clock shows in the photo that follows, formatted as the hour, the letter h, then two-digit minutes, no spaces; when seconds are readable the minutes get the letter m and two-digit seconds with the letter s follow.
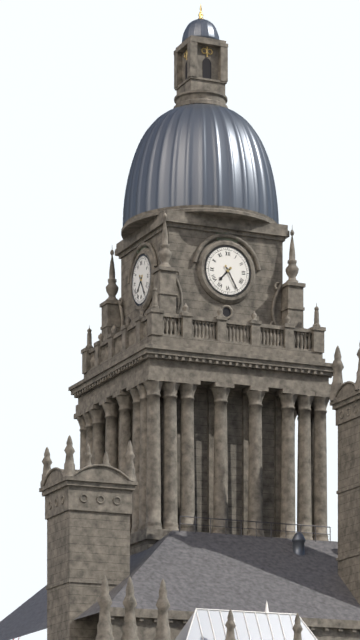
7h25
